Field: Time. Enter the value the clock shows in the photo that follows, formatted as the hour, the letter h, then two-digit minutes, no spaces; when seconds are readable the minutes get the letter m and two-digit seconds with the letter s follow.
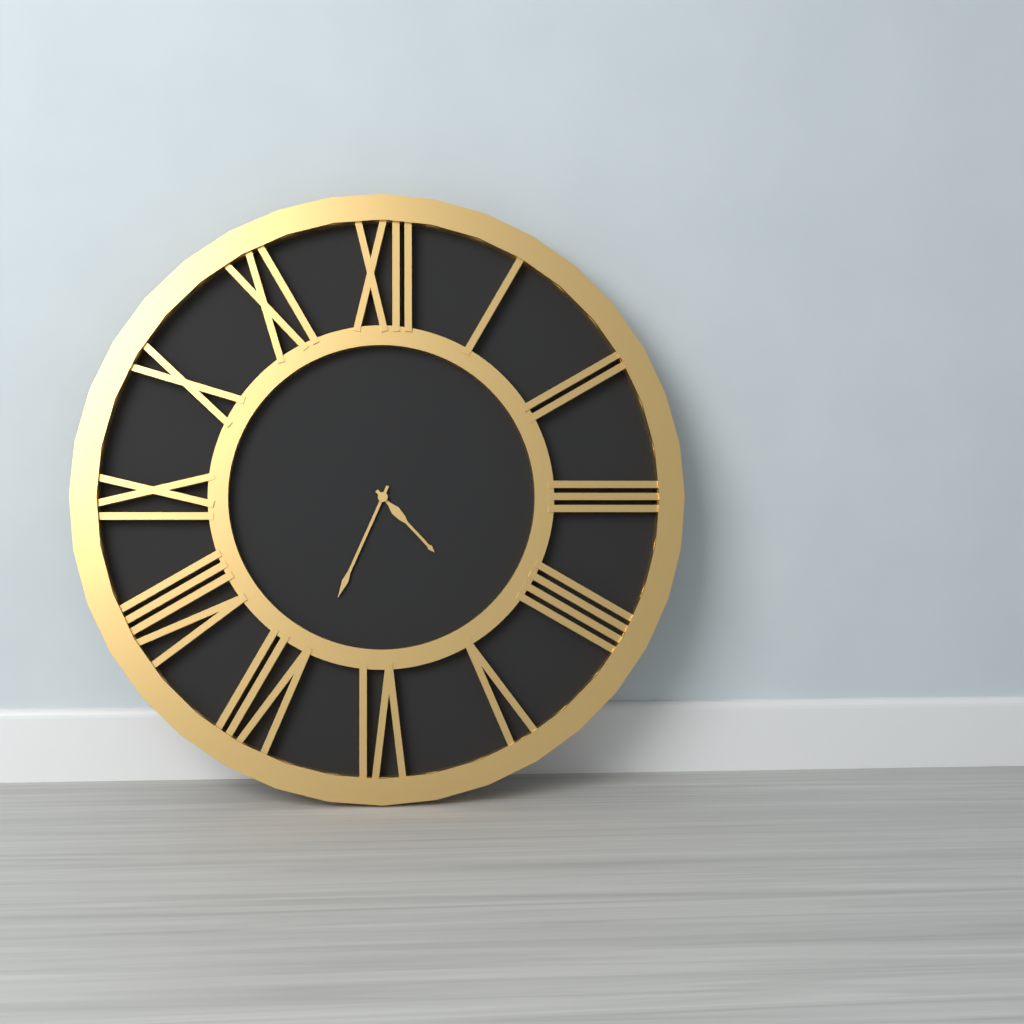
4h34
